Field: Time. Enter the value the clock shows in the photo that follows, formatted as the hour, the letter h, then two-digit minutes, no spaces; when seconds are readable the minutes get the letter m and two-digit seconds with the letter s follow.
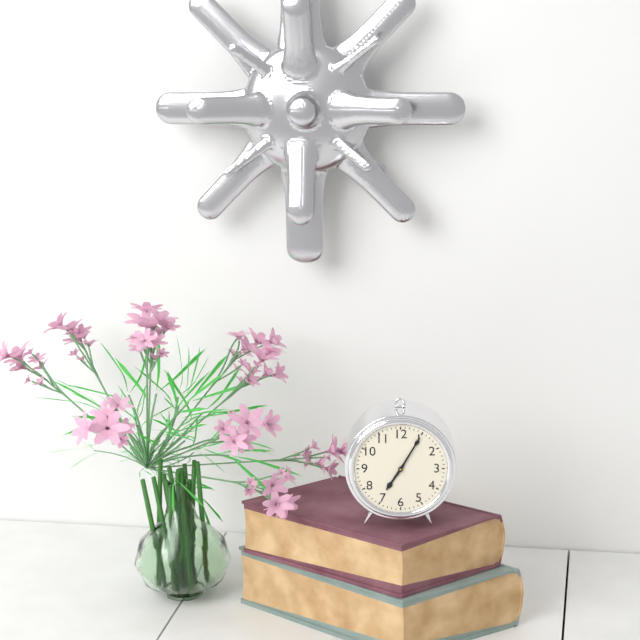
7h05
